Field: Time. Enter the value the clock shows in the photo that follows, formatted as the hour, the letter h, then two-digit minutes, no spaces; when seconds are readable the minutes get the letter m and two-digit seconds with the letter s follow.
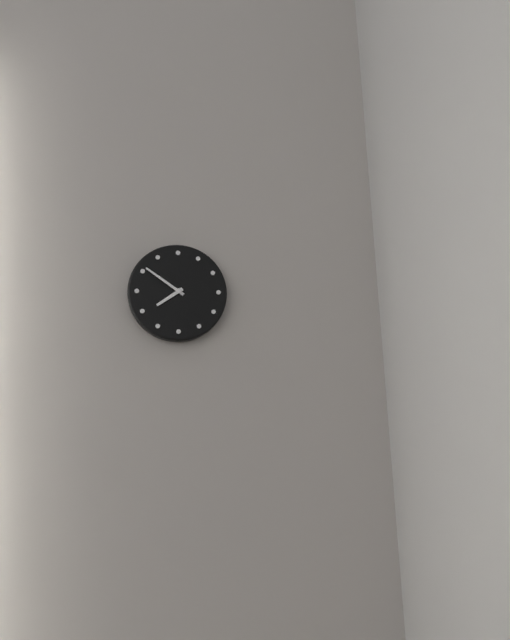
7h51
